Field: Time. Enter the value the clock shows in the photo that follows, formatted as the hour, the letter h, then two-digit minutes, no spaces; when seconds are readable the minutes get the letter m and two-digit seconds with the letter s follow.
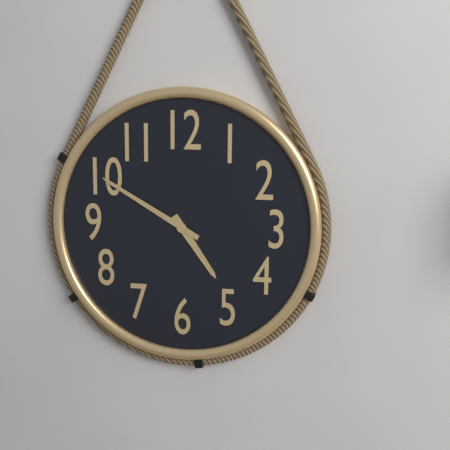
4h50
